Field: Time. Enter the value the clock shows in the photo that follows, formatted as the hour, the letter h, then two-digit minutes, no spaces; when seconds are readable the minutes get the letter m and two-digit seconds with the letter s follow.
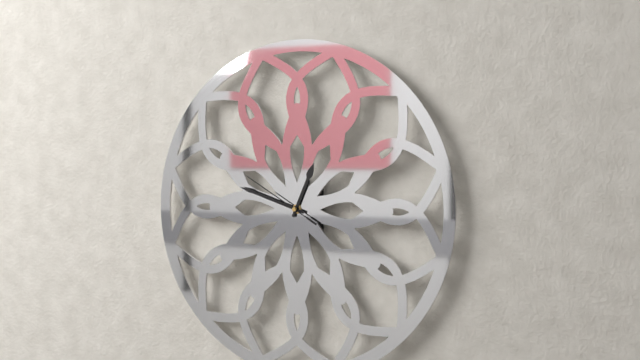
12h48m50s
